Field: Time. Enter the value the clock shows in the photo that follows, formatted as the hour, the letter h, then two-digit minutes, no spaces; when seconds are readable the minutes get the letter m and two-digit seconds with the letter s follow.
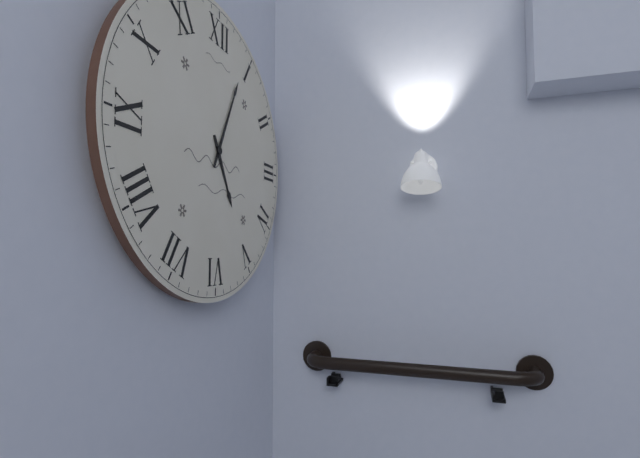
5h04
